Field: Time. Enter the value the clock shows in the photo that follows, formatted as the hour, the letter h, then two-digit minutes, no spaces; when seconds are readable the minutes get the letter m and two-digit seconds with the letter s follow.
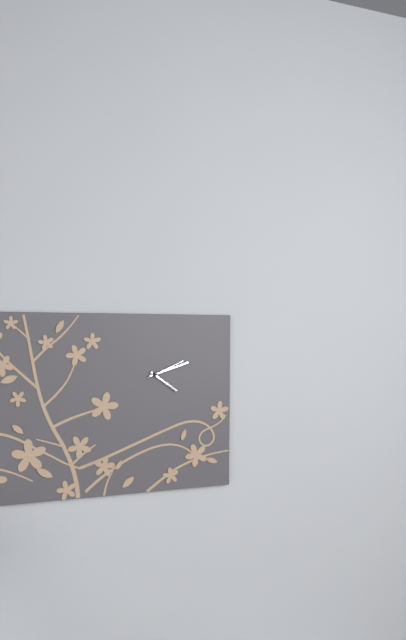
4h12
